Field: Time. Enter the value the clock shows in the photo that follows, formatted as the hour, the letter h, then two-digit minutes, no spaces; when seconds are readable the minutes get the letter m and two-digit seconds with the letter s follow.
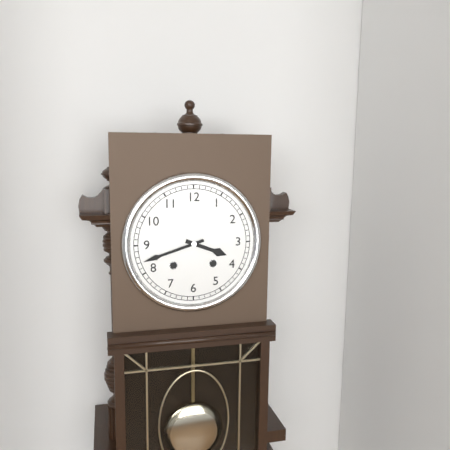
3h42
